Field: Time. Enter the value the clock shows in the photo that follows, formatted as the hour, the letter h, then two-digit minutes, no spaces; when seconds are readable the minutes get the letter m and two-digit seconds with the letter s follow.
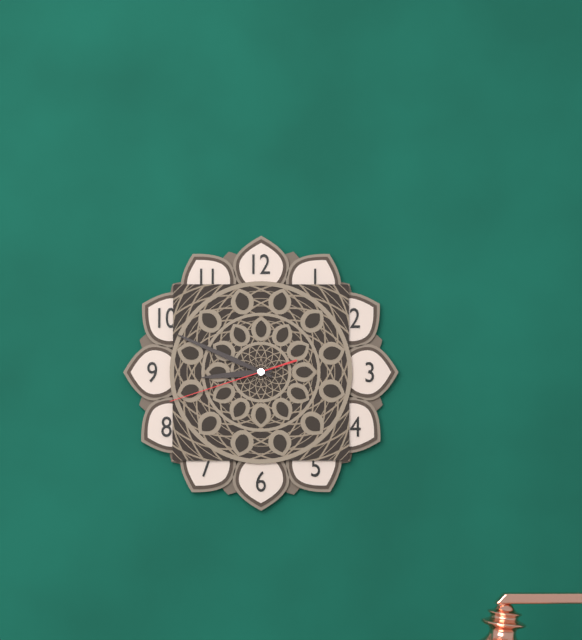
8h49m42s
